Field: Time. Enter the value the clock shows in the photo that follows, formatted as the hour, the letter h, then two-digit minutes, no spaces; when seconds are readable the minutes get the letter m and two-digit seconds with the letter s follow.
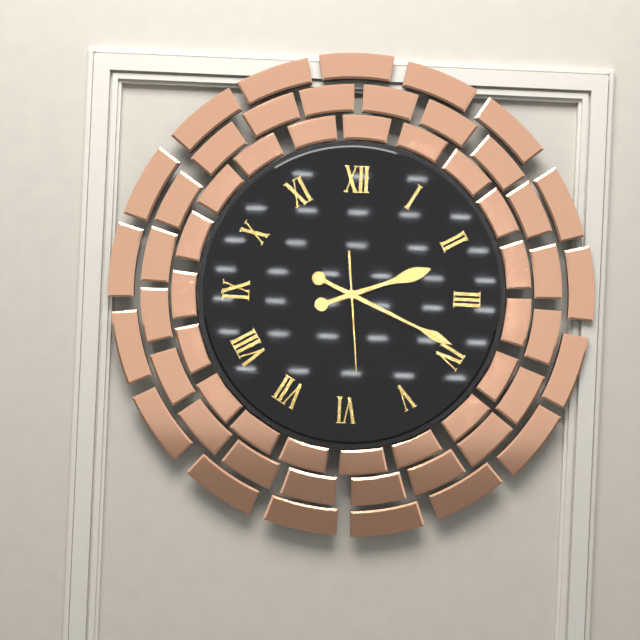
2h19m29s
